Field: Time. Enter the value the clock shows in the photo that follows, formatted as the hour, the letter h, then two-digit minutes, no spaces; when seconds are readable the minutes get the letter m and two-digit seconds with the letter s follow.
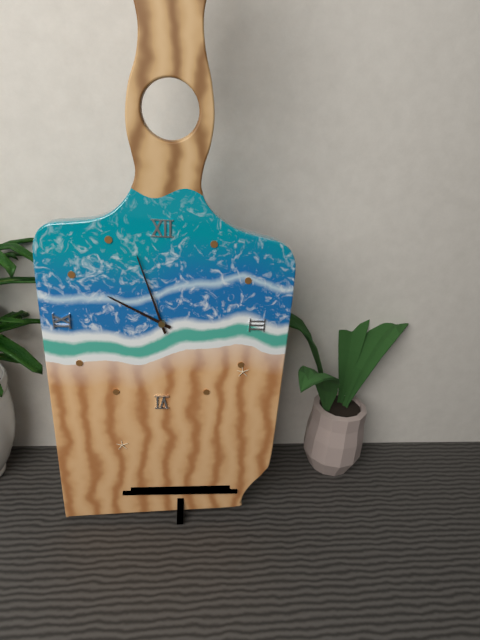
9h57
